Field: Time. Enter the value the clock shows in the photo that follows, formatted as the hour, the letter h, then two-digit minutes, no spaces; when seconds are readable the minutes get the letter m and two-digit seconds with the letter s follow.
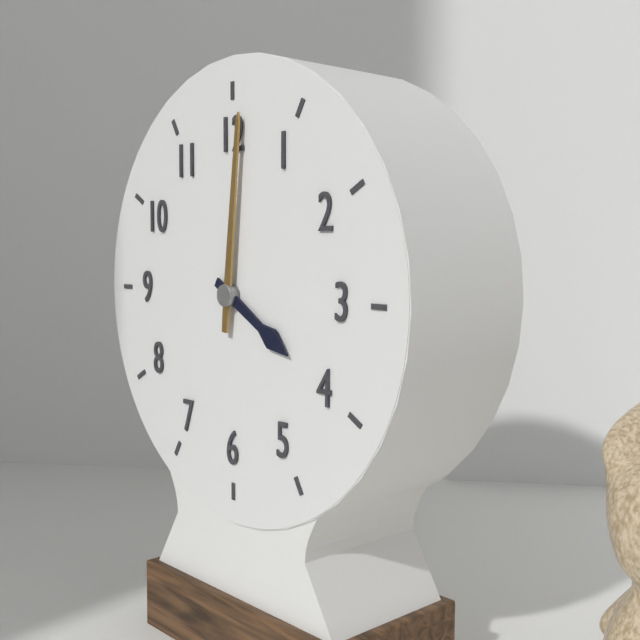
4h01
